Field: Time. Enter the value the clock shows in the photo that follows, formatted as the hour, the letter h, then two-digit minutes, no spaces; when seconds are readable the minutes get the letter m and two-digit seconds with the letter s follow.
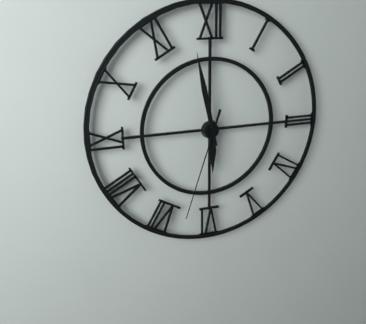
5h58m33s
